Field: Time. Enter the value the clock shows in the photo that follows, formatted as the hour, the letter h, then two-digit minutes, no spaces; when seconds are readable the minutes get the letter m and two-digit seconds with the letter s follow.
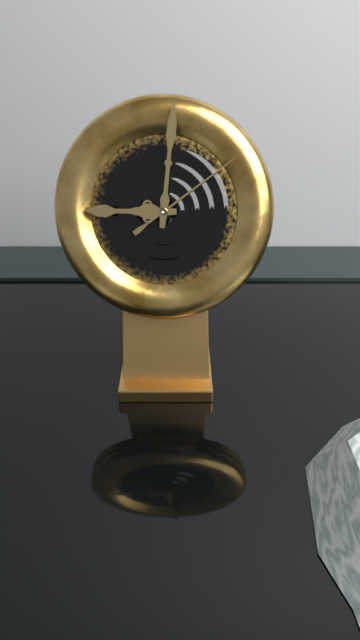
9h01m09s
